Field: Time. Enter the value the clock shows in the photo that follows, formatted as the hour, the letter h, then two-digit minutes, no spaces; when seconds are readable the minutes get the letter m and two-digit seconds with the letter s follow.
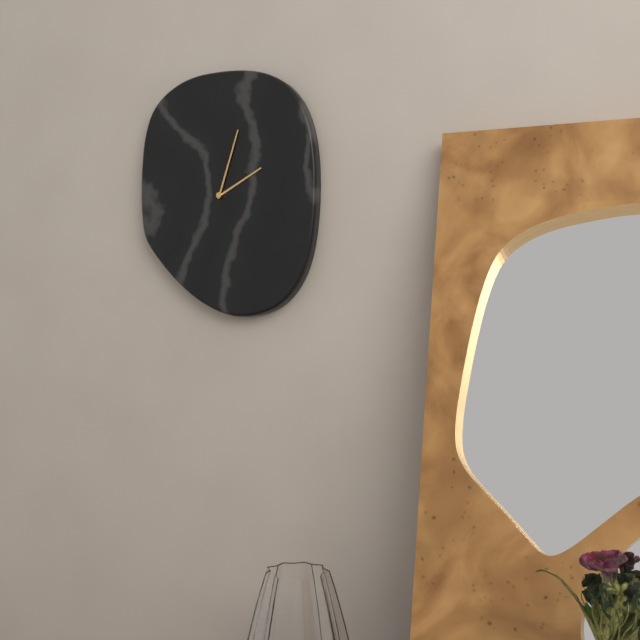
2h03
